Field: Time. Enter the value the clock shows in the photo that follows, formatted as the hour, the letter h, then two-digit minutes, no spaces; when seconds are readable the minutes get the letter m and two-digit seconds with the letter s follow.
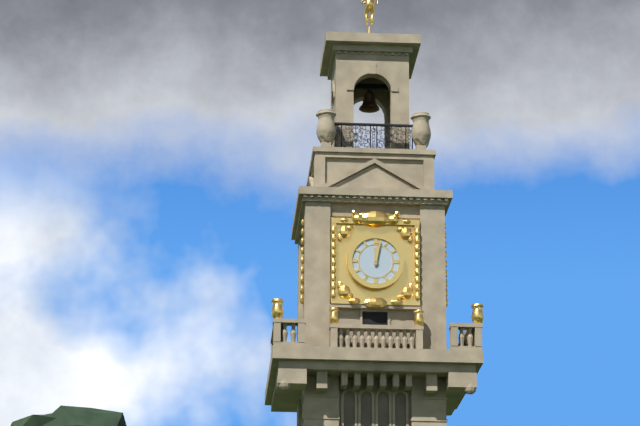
12h02
